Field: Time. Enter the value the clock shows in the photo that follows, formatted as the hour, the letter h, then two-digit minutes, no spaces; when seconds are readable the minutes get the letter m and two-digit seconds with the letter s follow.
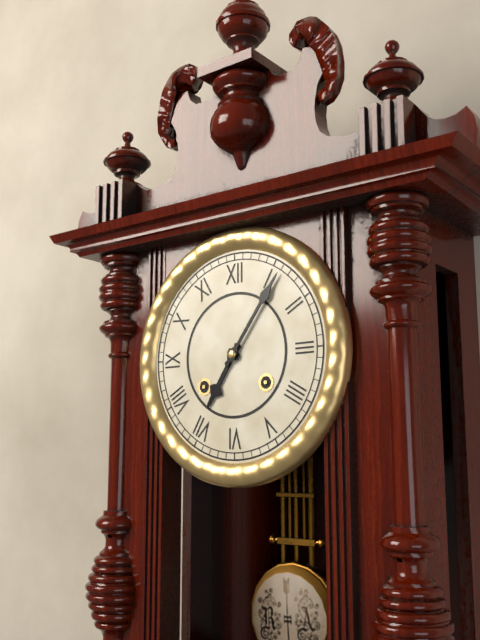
7h06
